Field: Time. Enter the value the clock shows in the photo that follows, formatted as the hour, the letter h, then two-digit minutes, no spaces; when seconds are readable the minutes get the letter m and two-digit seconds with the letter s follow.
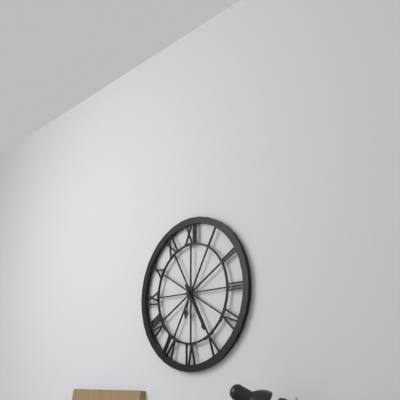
6h25
